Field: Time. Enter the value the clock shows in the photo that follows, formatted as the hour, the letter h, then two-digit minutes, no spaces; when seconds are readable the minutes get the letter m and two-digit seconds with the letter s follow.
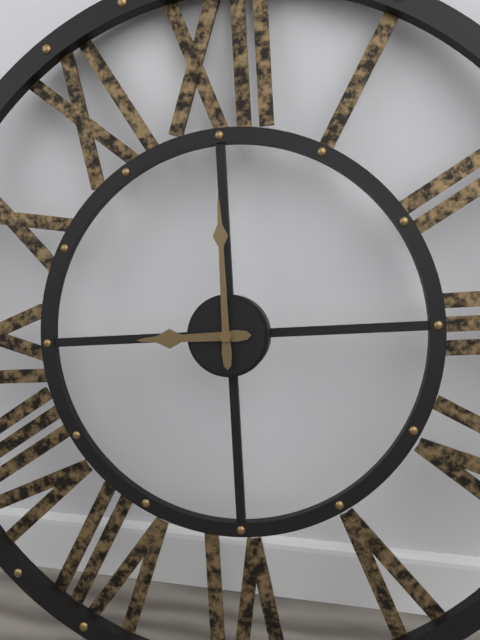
9h00
